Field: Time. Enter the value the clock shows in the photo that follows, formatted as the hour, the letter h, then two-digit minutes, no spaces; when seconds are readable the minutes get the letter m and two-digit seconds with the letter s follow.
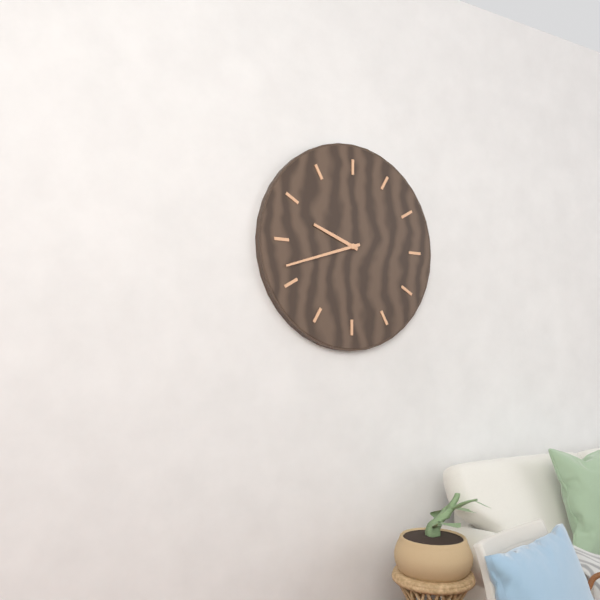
9h42
